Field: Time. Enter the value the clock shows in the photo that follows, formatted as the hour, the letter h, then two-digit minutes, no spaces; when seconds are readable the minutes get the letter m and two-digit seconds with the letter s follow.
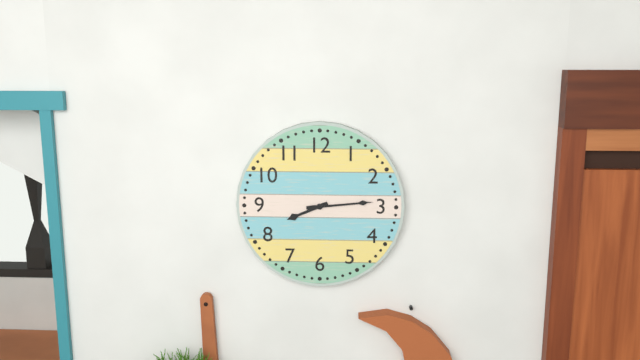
8h14
